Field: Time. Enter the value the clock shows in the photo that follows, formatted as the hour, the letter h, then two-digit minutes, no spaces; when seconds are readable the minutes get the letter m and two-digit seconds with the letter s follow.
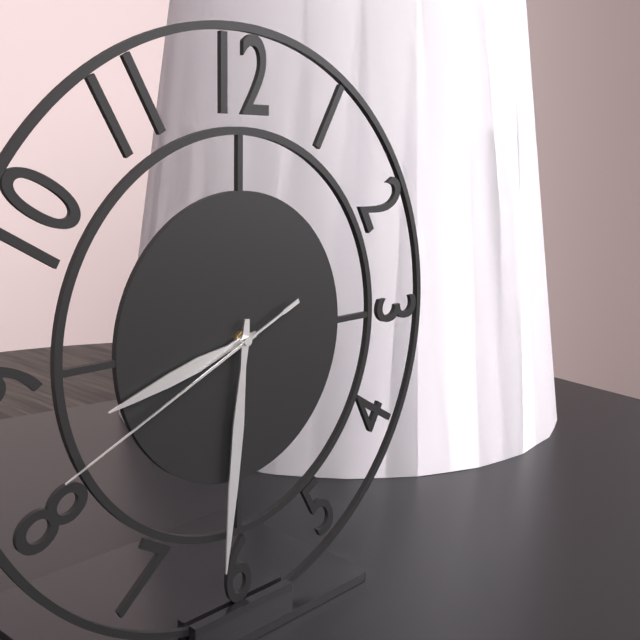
8h31m41s
